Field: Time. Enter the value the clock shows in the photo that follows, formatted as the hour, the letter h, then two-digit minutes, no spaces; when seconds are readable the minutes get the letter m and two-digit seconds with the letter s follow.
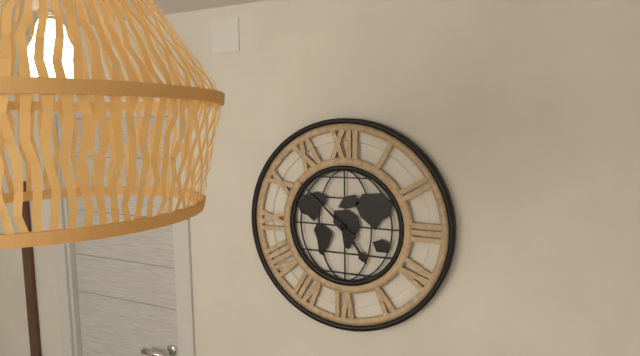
4h52
